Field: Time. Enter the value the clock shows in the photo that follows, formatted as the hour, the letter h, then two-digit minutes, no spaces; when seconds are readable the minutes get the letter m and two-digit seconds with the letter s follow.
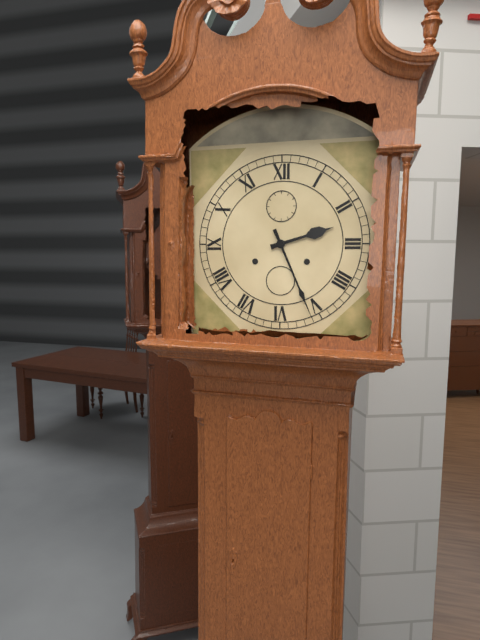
2h26
